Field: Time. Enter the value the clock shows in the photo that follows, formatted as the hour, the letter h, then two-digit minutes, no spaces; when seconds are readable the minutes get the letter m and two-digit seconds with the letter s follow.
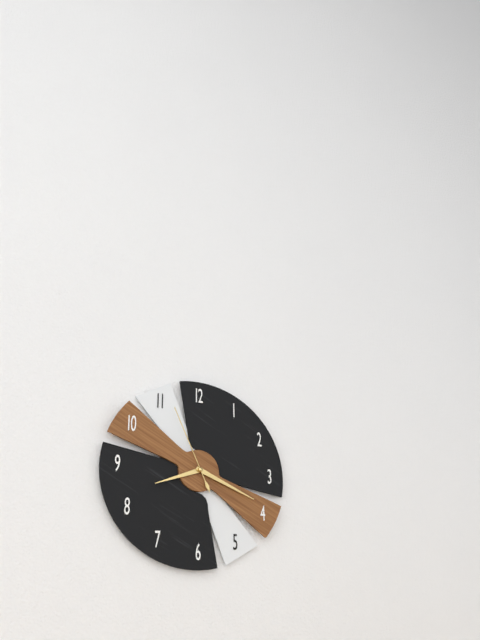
8h19m56s
